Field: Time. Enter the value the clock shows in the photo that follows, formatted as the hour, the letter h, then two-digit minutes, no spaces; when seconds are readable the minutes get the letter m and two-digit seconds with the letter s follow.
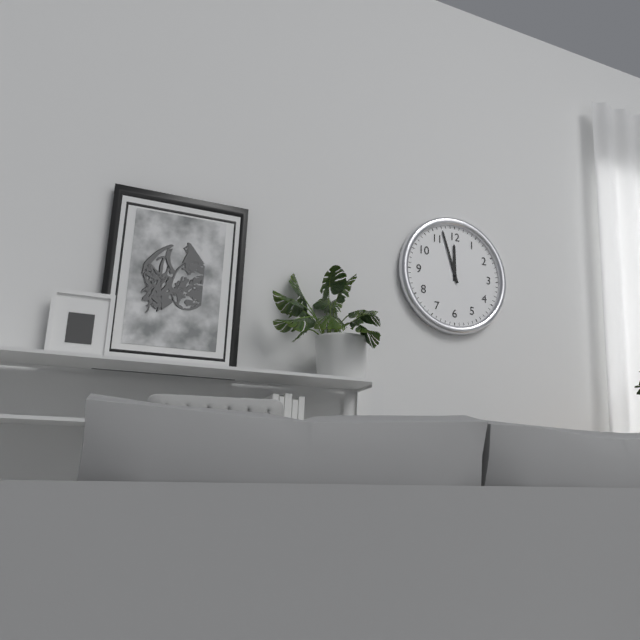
11h57
